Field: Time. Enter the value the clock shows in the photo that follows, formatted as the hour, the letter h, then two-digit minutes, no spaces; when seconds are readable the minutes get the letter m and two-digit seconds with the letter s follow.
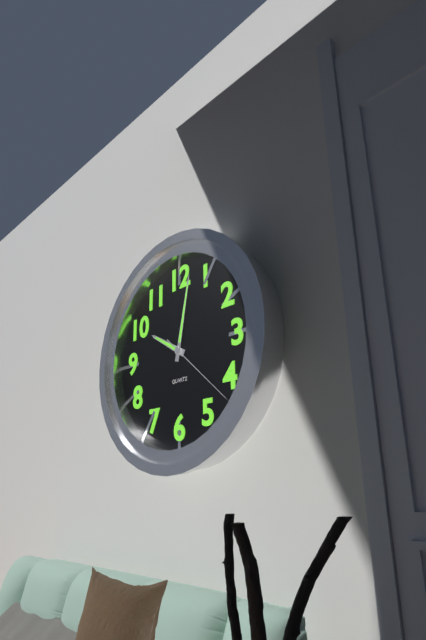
10h02m22s
